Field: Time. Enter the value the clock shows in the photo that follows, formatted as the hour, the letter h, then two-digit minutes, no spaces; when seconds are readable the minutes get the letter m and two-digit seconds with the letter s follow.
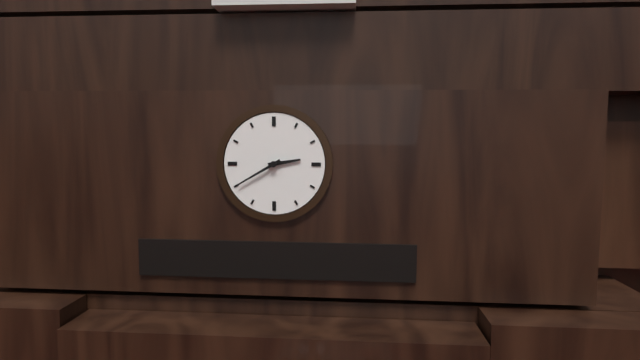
2h40
